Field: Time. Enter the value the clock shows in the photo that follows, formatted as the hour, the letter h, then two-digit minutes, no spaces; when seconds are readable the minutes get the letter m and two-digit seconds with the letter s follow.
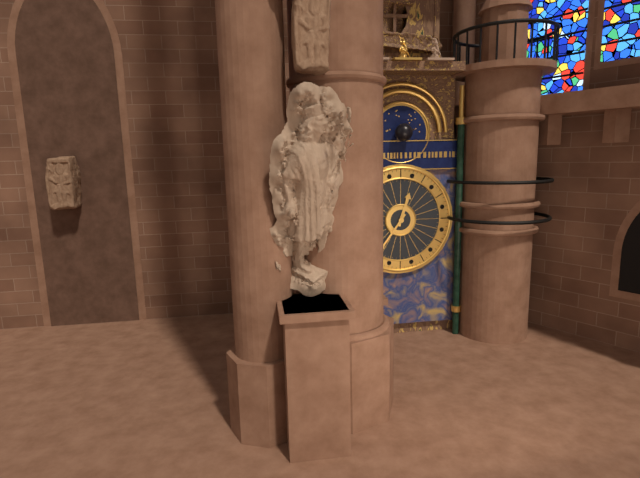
12h36
